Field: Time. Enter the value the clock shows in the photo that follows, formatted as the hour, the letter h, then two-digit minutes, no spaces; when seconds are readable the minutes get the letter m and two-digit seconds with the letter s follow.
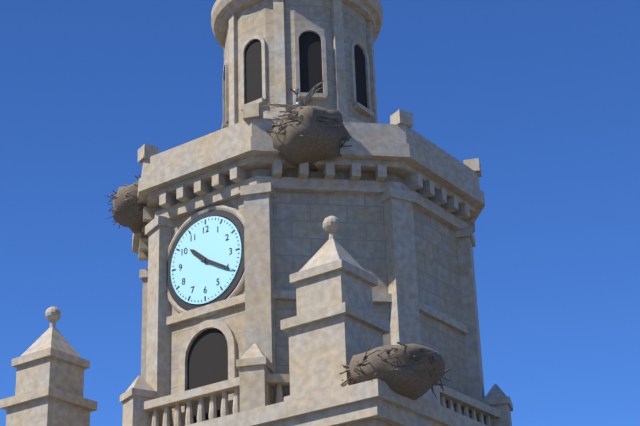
10h20
